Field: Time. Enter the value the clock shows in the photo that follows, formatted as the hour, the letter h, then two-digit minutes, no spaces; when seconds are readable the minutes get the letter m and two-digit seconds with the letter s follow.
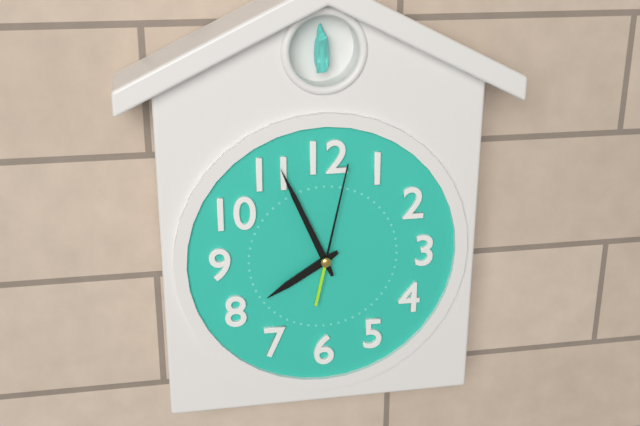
7h56m02s
